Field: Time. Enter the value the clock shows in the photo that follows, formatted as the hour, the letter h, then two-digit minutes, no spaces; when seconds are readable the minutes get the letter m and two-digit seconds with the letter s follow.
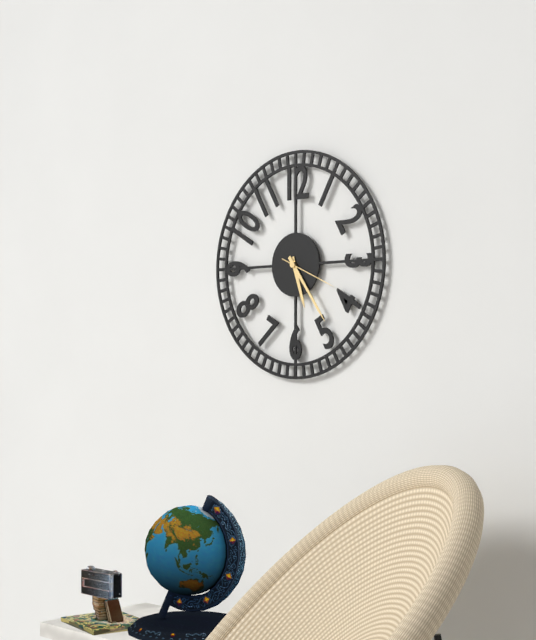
5h24m19s
